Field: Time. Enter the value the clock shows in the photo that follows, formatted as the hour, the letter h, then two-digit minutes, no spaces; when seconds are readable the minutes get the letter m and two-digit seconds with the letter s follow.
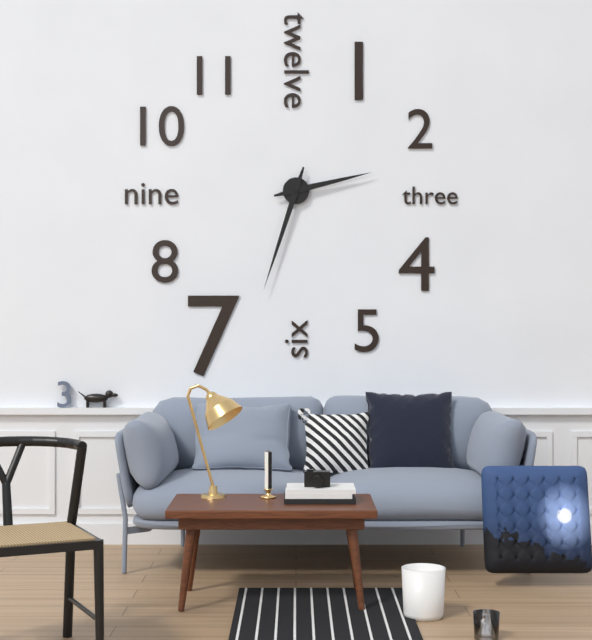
2h33
